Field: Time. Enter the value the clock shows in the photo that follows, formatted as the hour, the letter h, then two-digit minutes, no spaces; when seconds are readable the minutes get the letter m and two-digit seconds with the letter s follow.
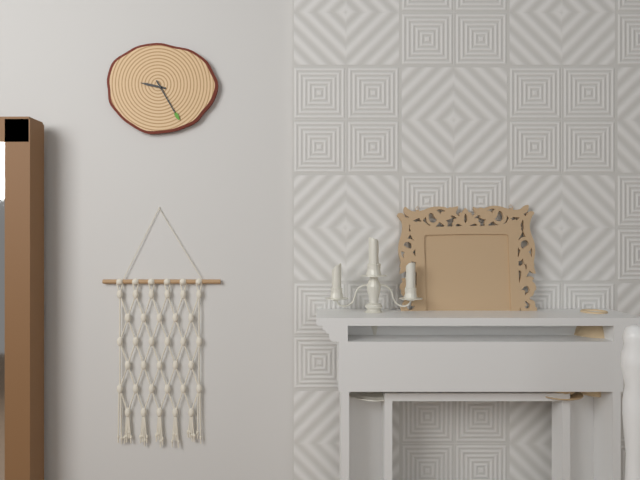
9h25
